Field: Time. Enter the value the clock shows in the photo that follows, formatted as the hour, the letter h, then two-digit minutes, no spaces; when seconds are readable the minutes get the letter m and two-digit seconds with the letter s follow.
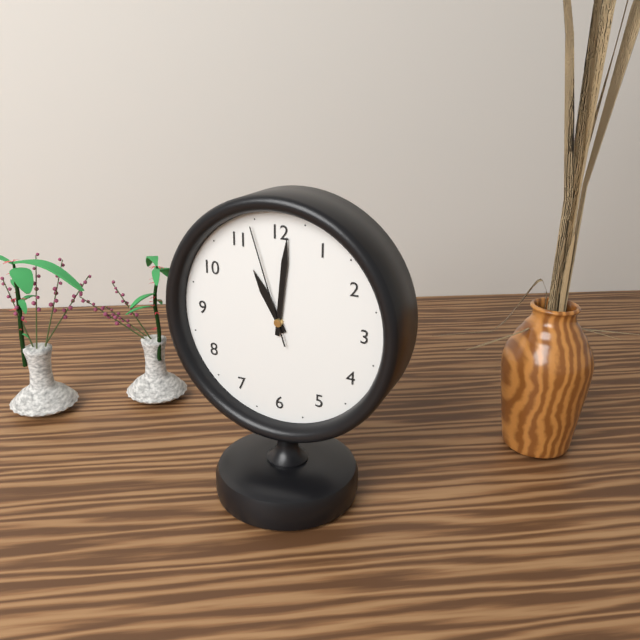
11h01m57s
